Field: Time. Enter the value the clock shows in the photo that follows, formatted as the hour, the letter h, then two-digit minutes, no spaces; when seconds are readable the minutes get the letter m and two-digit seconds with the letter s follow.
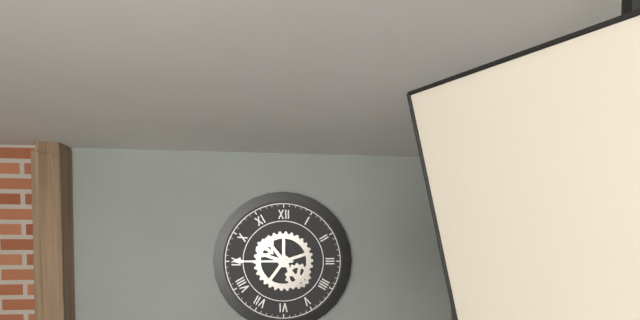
10h45
